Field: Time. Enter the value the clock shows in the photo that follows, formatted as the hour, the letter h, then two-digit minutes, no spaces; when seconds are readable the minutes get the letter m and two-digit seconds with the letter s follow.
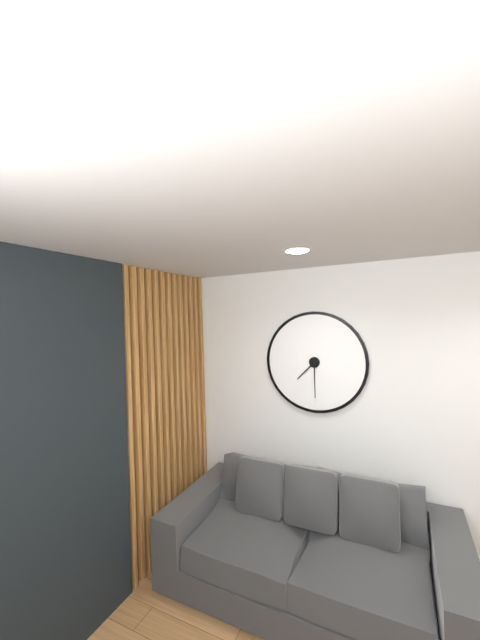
7h30
